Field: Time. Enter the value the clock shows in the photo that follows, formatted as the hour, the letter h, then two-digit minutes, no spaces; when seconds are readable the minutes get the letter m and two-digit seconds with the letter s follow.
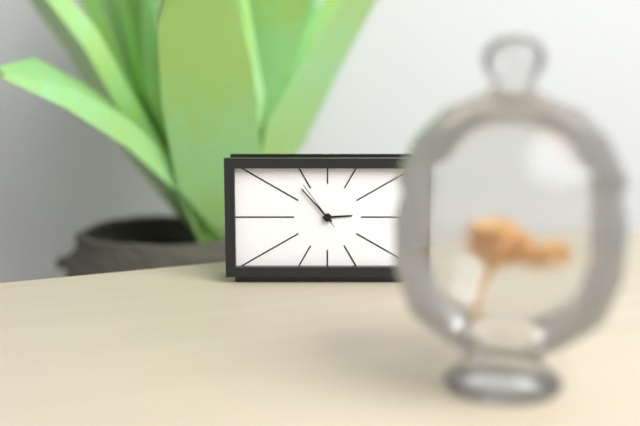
2h53m54s
